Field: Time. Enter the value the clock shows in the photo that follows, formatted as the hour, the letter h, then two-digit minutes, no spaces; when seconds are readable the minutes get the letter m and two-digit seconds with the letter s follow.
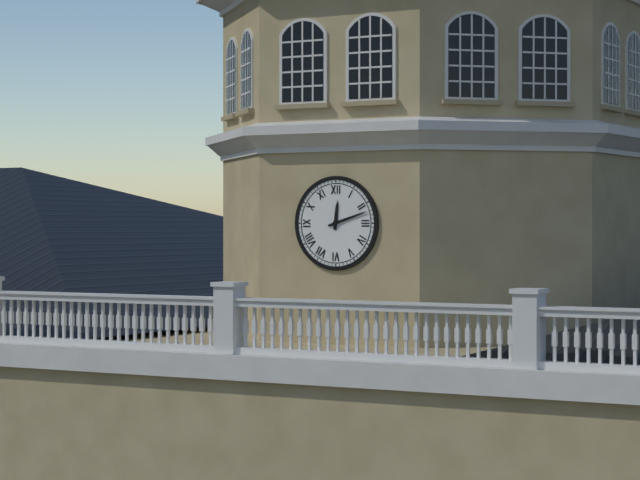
12h12
